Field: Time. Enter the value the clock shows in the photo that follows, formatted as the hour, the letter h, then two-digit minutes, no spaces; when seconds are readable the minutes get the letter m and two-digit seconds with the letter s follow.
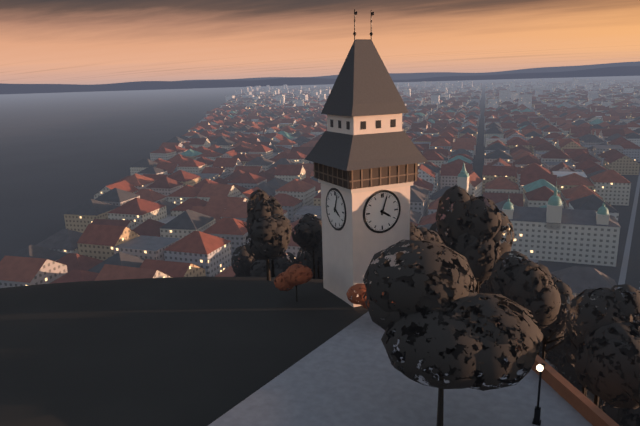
4h03
